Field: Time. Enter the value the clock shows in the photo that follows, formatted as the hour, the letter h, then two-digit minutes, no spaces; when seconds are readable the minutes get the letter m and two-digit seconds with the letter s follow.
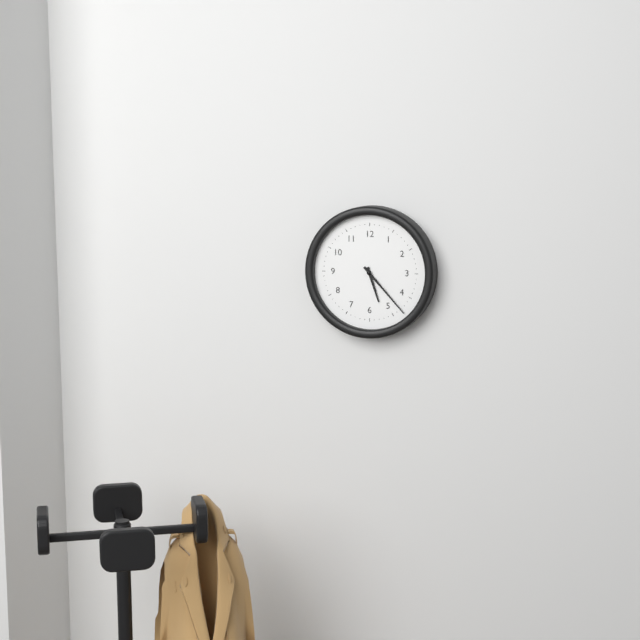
5h23
